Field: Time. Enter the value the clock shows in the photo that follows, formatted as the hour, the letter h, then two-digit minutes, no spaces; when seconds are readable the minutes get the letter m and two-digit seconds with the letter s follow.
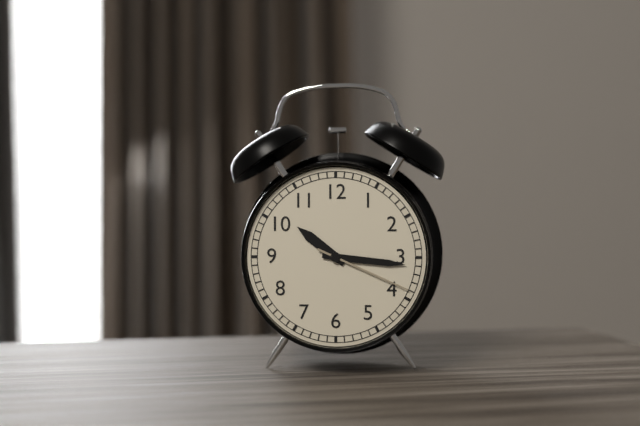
10h16m19s
